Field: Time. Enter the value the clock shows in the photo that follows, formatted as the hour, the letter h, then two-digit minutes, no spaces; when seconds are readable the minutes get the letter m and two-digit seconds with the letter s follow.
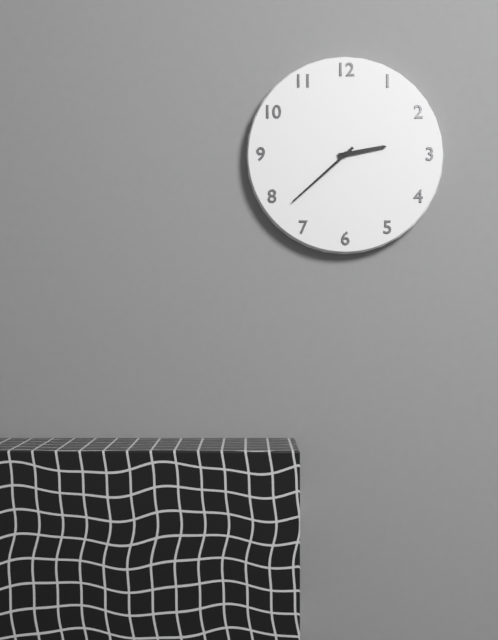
2h38
